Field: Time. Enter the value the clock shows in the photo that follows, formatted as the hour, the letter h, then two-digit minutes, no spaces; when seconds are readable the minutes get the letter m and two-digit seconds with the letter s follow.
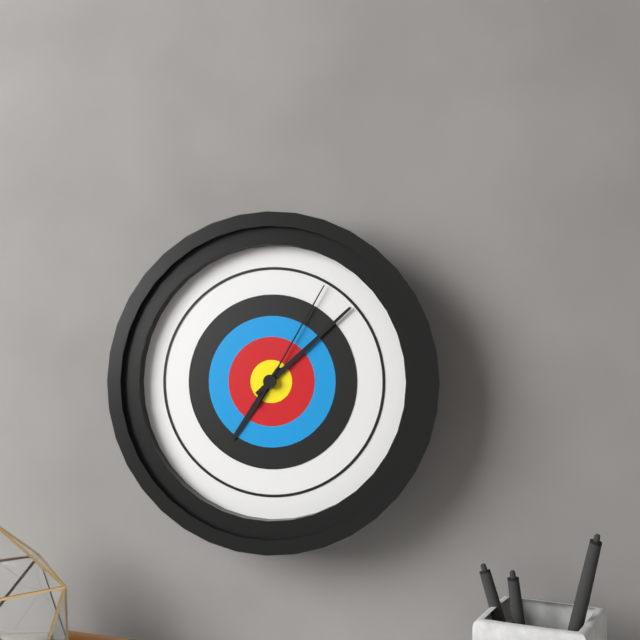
7h08m05s
